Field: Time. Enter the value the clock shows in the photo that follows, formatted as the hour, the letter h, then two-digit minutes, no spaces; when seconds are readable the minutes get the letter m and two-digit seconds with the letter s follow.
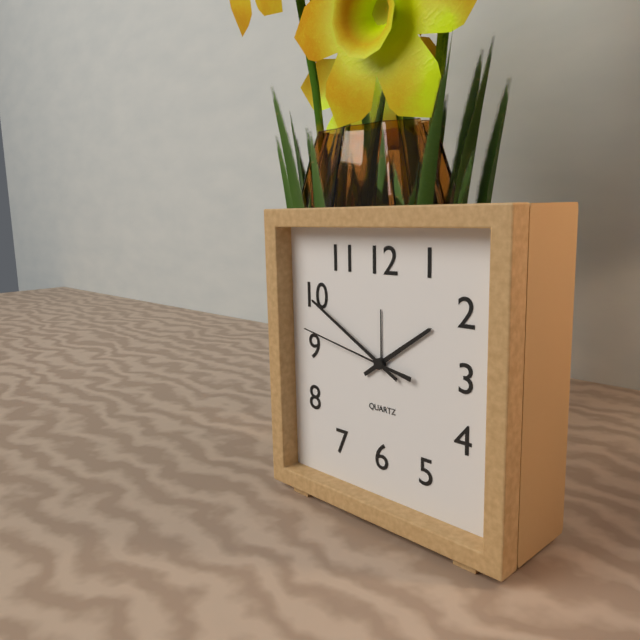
1h50m47s
